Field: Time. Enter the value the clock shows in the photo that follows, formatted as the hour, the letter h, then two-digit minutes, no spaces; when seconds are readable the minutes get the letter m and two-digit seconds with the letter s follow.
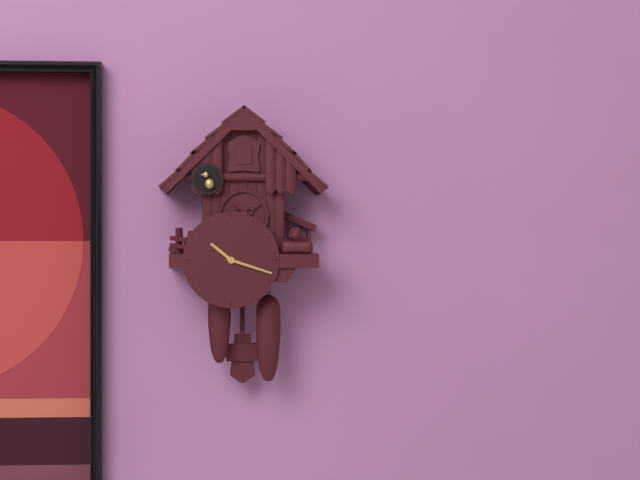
10h18
